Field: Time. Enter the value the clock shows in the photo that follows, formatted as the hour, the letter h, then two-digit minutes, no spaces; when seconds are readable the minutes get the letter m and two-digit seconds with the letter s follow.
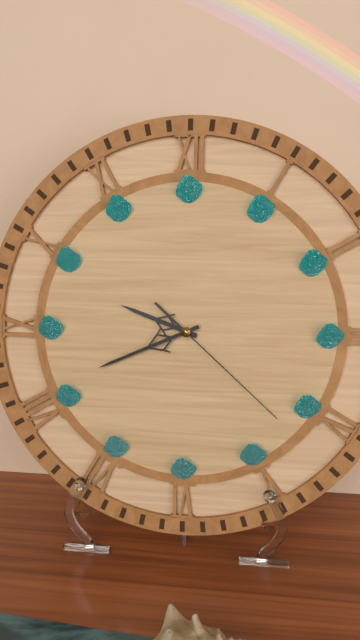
9h41m22s
